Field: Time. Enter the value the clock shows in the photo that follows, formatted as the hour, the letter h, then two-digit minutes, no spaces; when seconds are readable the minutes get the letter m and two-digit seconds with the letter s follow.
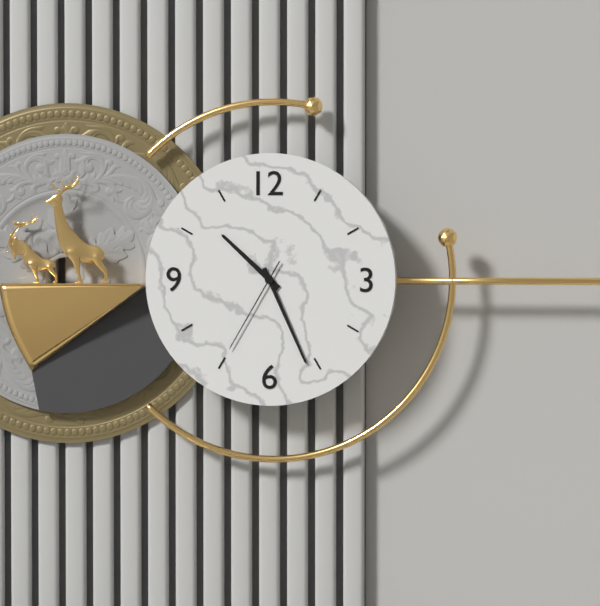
10h26m35s
